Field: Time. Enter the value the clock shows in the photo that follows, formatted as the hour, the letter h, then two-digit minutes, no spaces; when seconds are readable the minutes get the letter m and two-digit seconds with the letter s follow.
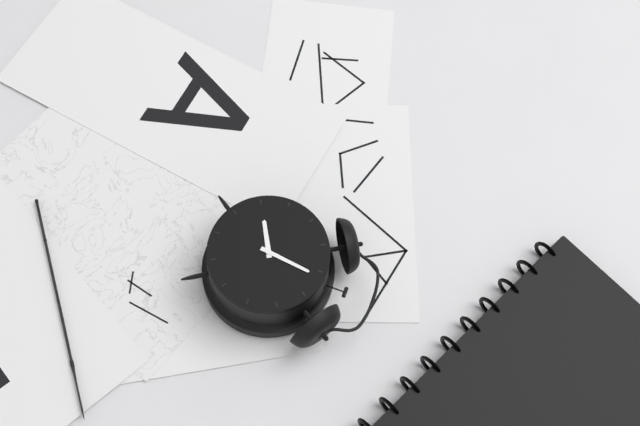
8h01
